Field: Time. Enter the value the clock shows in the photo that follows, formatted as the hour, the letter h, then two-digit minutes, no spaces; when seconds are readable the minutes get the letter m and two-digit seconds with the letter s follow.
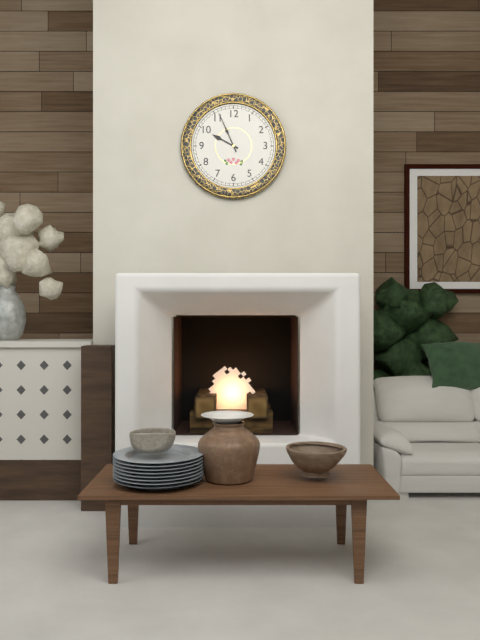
9h56
